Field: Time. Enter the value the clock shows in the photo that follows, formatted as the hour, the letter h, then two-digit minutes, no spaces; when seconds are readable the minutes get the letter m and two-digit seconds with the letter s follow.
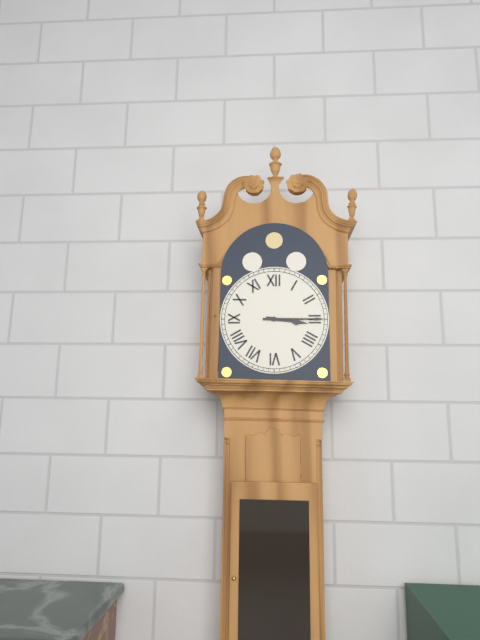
3h15
